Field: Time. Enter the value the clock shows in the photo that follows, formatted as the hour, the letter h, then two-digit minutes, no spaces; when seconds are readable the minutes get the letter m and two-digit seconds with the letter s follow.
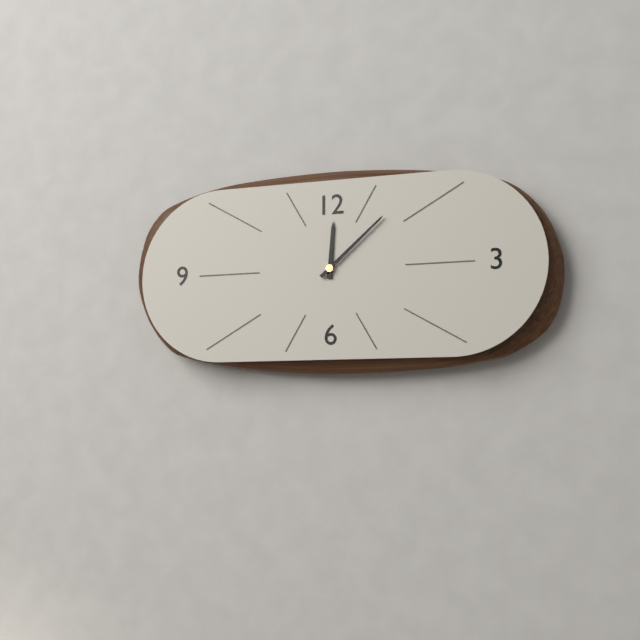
12h08
